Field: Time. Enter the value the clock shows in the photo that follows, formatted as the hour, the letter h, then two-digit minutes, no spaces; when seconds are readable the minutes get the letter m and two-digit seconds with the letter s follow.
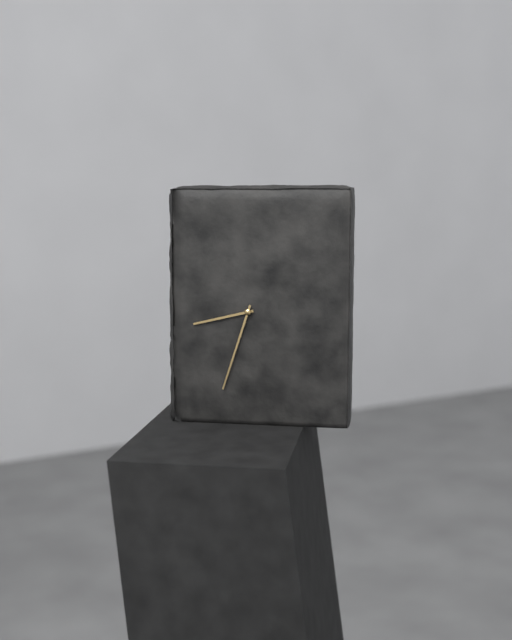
8h33
